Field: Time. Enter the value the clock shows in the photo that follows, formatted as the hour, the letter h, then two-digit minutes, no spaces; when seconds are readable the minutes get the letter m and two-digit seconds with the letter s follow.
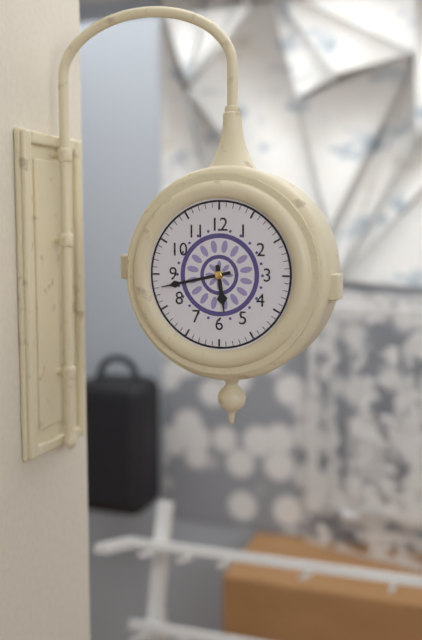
5h43
